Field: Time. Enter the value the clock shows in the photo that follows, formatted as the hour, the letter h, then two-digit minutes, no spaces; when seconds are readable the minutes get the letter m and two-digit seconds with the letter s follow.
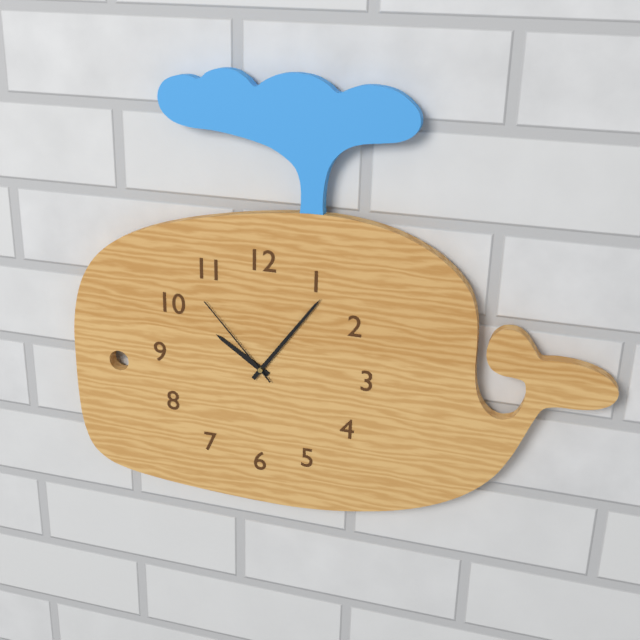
10h06m53s
